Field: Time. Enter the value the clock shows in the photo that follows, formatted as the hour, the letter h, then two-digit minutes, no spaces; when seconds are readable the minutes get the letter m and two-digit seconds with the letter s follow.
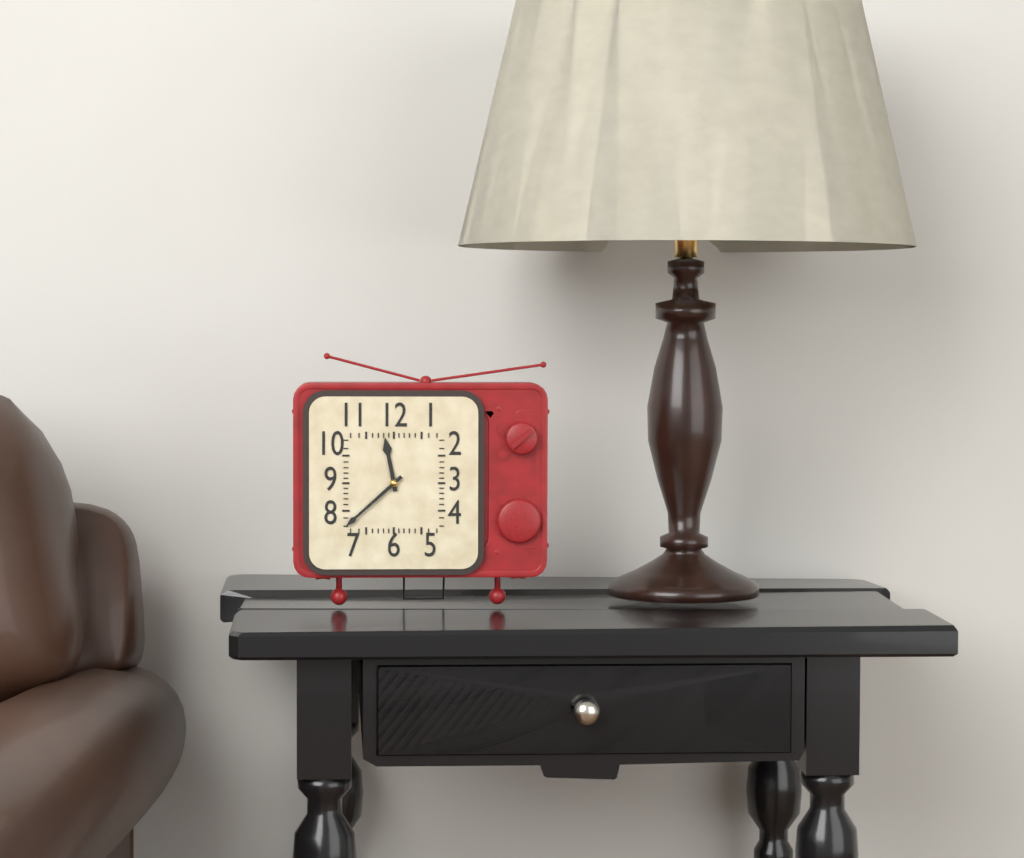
11h38
